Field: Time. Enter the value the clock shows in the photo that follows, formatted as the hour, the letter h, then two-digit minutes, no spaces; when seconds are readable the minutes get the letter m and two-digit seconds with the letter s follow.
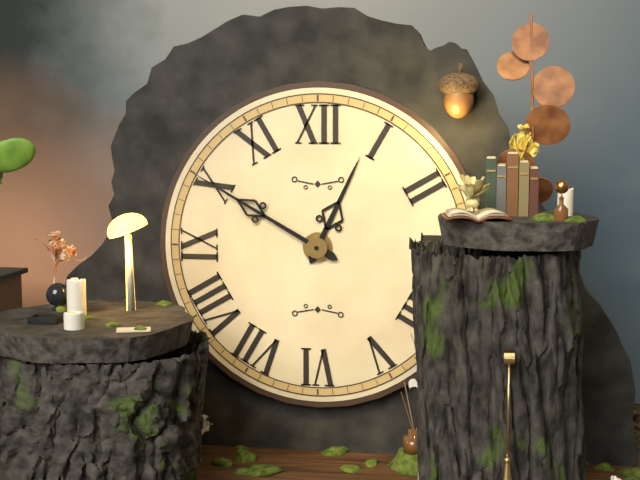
12h50
